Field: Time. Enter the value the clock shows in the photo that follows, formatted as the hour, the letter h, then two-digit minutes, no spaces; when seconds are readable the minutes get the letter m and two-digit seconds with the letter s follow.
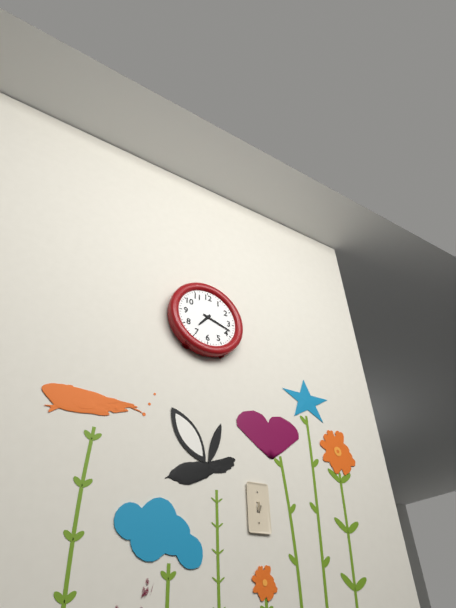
7h18
